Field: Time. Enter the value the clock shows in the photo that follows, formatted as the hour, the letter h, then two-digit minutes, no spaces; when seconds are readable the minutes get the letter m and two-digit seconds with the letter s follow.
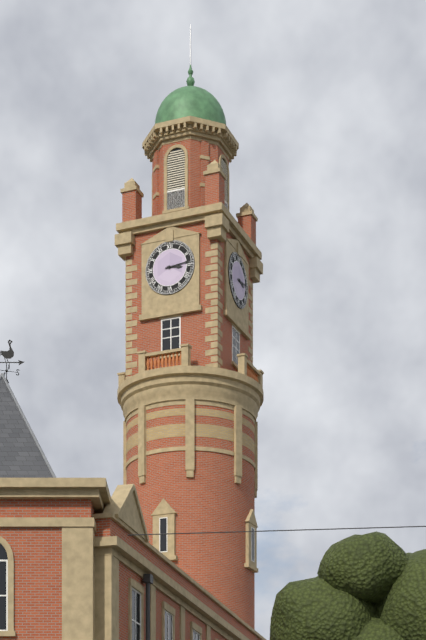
3h14
